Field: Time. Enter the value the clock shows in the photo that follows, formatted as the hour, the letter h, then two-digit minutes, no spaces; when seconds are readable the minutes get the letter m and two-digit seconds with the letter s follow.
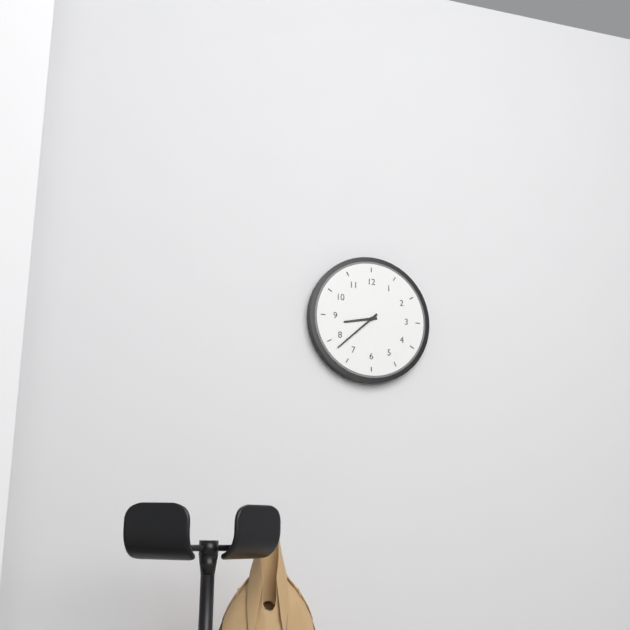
8h38
